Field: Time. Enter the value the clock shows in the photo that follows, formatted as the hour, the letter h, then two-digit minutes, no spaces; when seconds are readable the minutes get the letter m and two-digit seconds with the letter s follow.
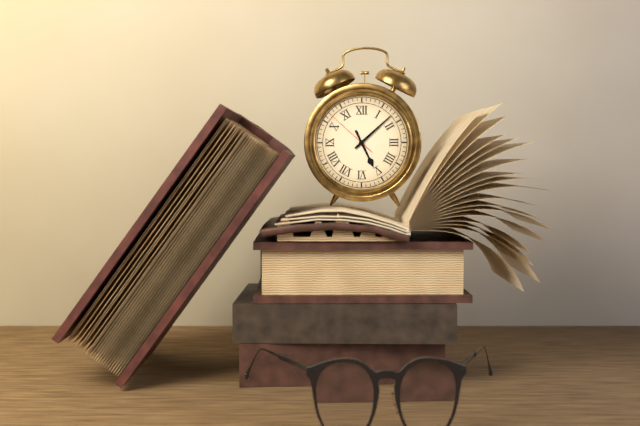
5h08m52s
